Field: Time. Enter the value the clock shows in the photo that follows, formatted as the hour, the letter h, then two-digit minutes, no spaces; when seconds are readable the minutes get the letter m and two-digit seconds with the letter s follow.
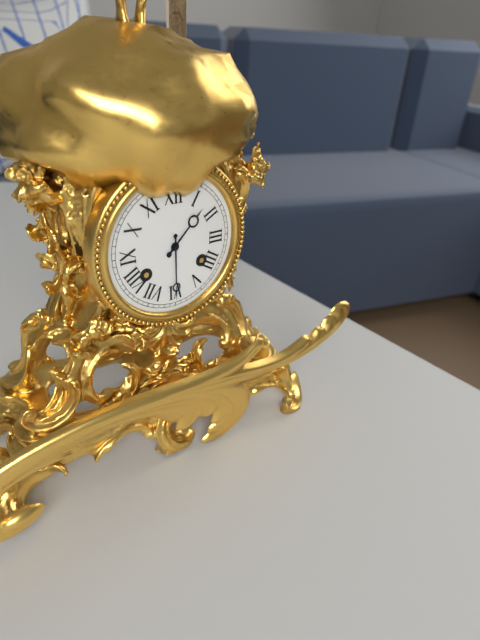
1h30
